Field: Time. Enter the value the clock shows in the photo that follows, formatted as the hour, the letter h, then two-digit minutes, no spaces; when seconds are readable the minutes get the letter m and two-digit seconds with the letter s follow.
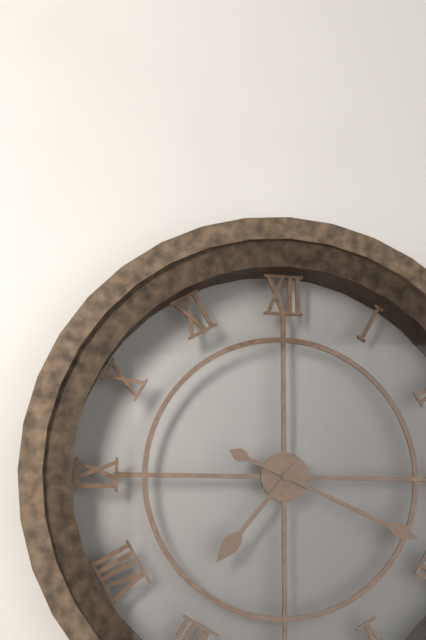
7h19
